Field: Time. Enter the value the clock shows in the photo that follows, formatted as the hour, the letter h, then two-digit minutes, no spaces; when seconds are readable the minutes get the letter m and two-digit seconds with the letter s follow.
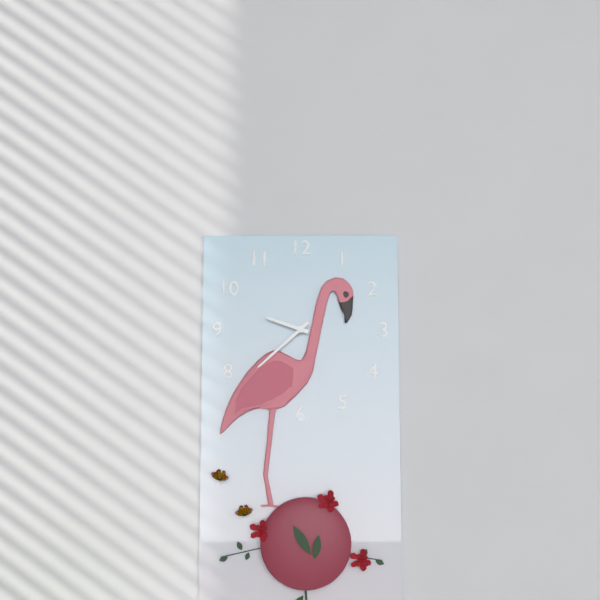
9h38
